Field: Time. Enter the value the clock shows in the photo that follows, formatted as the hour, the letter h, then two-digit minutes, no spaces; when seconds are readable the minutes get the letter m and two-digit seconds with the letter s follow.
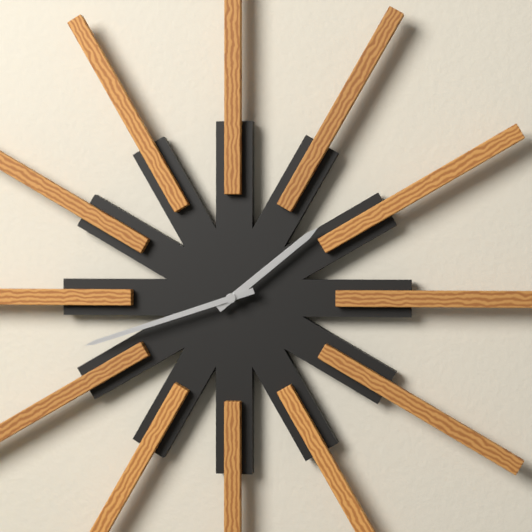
1h42
